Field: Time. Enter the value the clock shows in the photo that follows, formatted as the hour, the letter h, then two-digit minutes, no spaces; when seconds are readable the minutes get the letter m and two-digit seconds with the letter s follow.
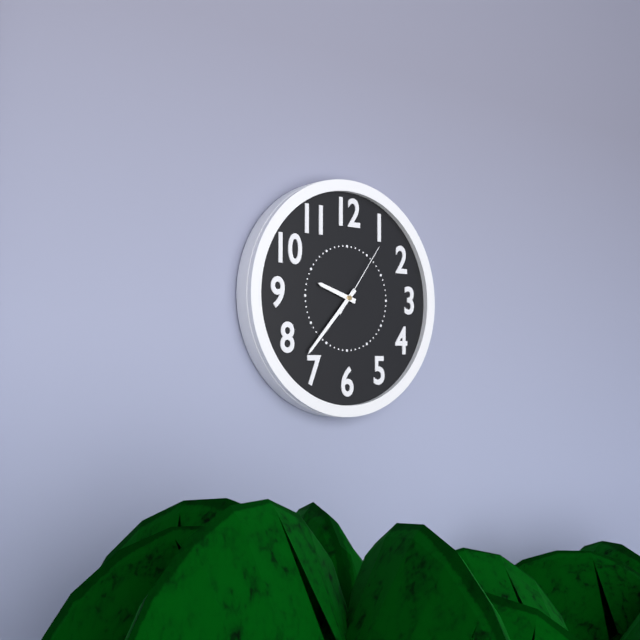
9h37m06s
